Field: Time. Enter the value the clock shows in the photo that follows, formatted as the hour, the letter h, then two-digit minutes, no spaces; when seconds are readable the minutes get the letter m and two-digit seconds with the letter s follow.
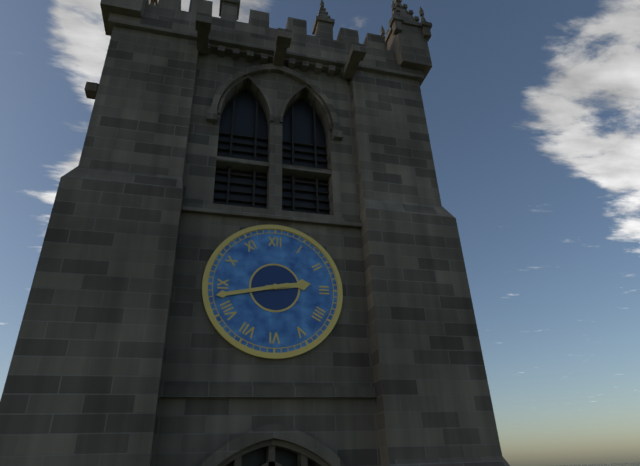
2h43
